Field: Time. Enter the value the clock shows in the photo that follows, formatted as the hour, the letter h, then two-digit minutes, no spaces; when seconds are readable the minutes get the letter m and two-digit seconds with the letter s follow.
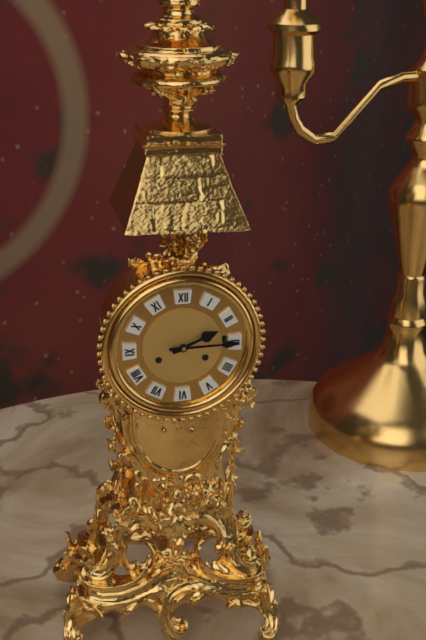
2h15
